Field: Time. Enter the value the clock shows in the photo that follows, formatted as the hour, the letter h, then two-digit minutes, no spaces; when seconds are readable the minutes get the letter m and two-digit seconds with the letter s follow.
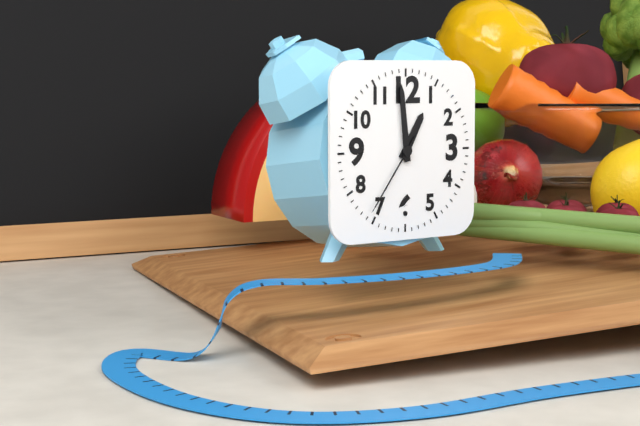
12h59m36s
